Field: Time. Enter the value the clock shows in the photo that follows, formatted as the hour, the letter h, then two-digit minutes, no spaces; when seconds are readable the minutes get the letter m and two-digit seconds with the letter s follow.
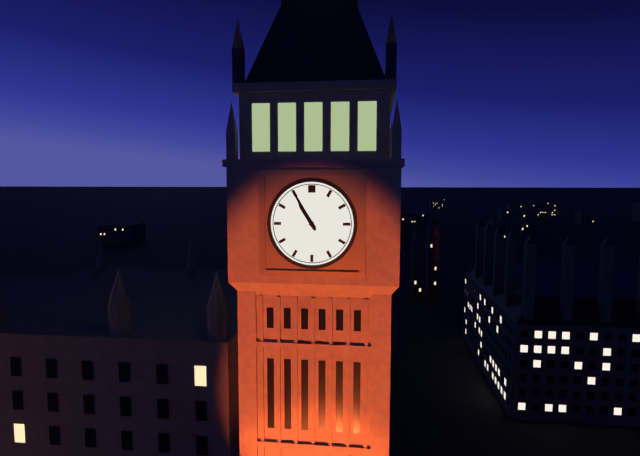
10h55
